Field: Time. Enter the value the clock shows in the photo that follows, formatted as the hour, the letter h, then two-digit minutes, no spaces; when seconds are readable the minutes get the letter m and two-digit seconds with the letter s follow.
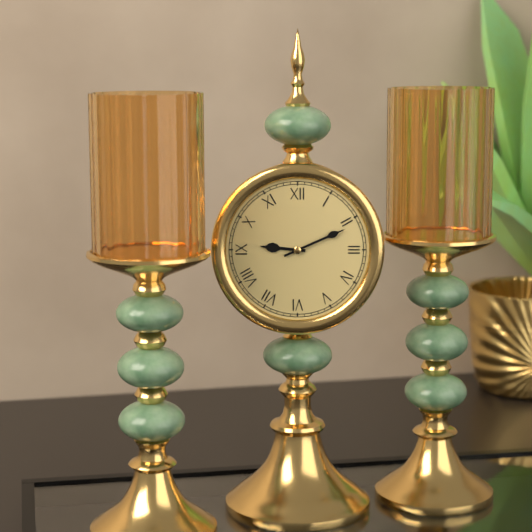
9h11
